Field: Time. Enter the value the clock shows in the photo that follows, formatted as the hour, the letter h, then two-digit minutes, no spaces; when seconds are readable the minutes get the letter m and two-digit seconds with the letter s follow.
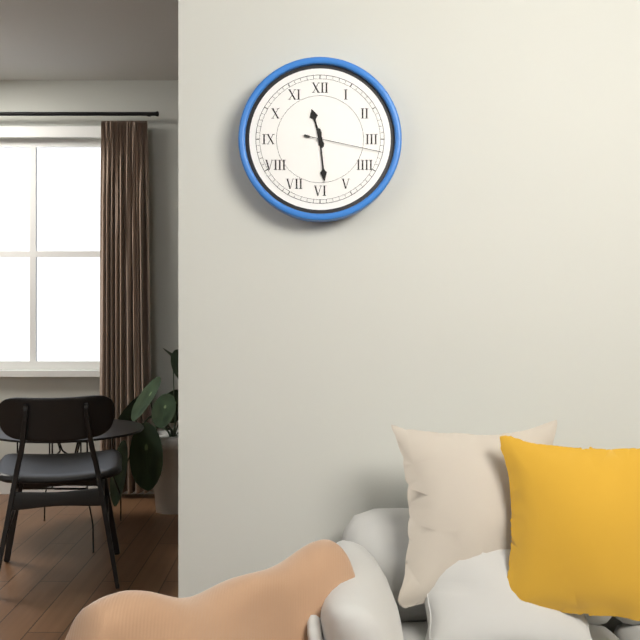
11h29m17s
